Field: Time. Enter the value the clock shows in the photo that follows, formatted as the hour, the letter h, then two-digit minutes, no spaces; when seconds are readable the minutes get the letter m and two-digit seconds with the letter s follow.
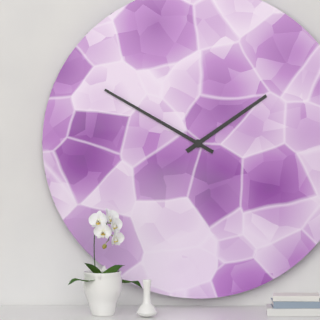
1h50
